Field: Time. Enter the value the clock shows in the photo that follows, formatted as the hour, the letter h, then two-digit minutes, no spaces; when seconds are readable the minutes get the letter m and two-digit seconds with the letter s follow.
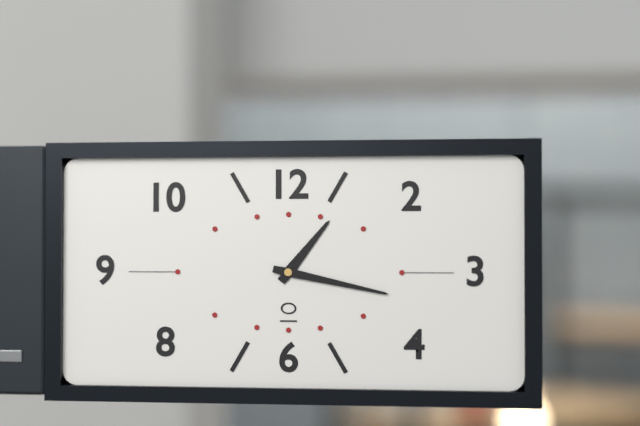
1h17
